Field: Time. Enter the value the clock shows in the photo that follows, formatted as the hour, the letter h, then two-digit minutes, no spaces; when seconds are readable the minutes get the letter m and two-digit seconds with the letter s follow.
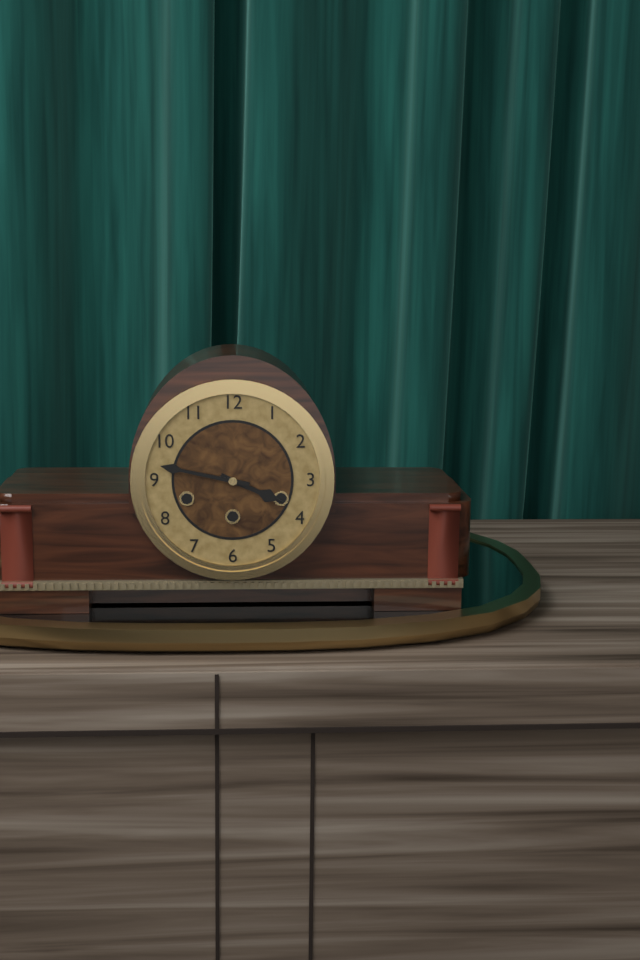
3h47
